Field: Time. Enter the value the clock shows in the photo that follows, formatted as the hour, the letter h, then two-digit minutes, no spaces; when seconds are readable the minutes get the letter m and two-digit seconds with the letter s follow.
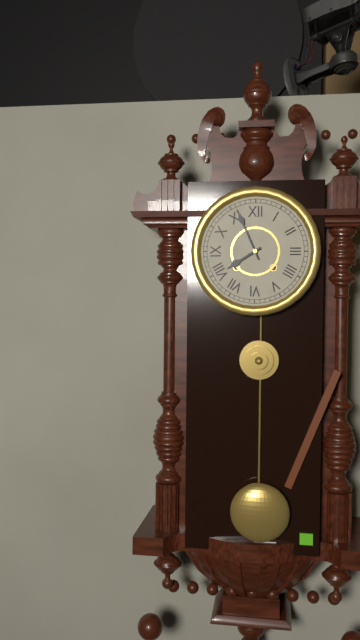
7h56
